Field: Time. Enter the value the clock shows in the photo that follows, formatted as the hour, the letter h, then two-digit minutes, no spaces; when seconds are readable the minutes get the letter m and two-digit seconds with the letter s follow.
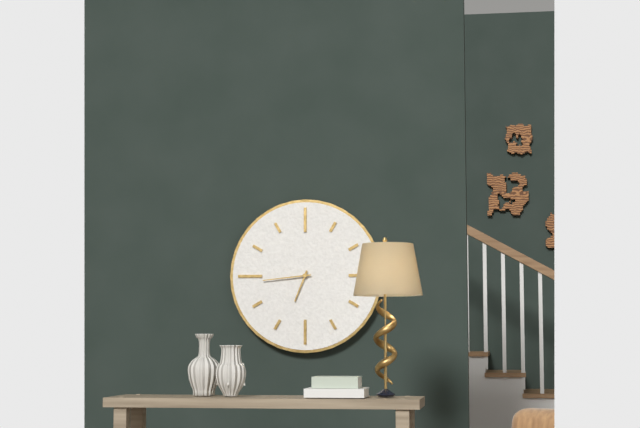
6h44
